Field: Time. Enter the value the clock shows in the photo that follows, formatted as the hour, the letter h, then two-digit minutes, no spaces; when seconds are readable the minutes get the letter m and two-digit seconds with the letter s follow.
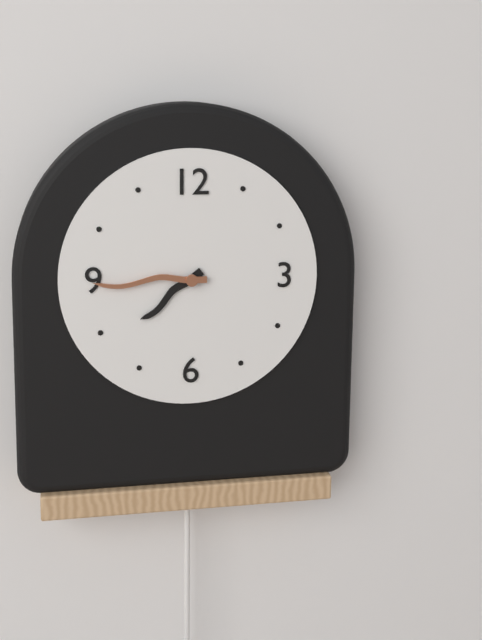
7h45
